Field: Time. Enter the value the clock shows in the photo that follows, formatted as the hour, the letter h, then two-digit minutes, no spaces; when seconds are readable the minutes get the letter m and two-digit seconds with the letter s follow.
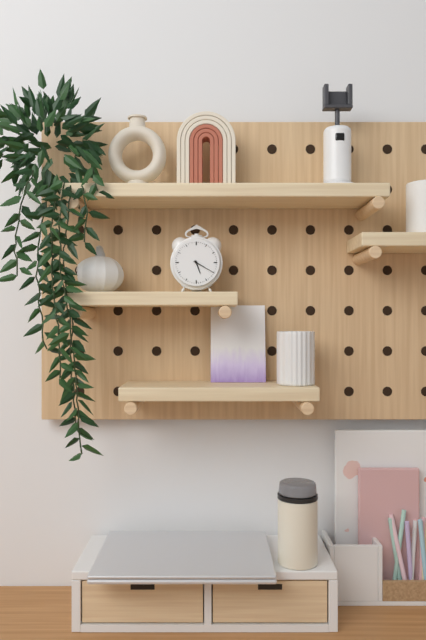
5h20
